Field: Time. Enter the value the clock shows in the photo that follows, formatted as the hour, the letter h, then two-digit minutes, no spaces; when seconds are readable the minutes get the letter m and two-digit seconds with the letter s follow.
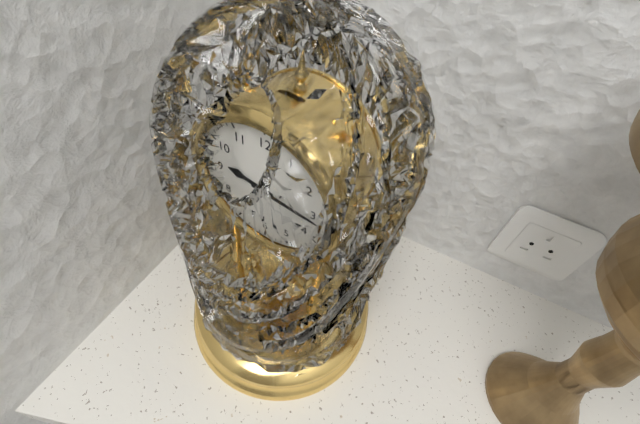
9h16
